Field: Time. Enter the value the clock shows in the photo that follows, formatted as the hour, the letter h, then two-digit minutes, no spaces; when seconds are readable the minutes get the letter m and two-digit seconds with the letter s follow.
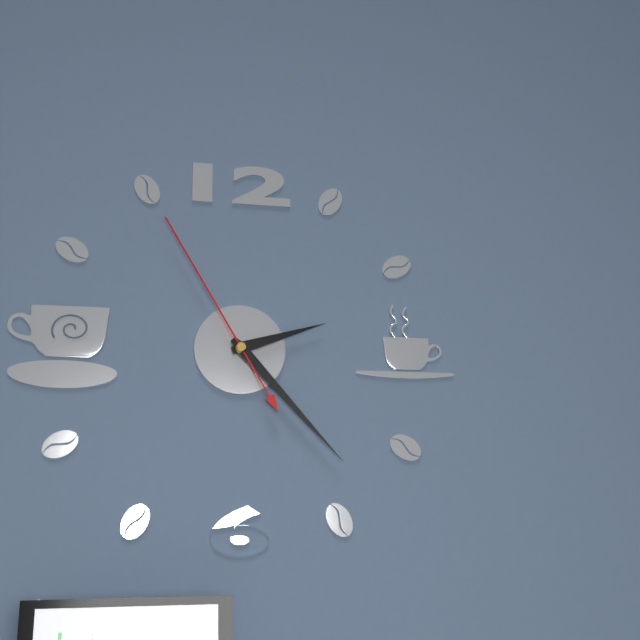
2h23m55s
